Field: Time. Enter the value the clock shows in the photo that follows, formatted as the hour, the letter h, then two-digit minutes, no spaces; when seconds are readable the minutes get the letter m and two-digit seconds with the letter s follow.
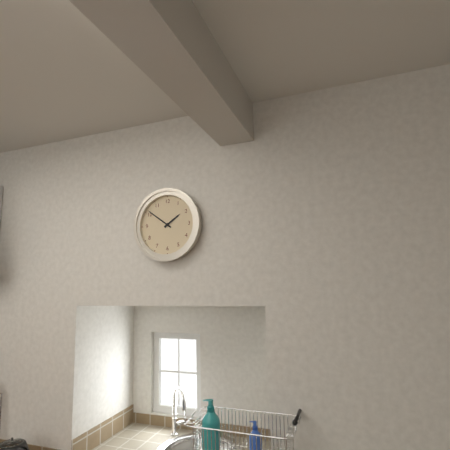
1h51
